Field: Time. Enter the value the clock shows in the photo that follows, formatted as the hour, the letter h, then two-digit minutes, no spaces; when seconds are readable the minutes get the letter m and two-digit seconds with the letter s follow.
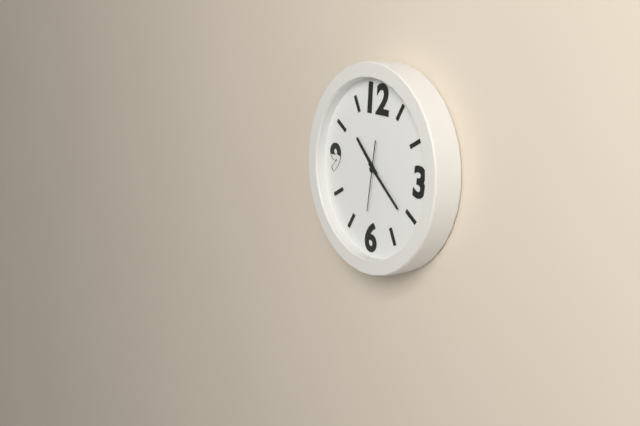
10h21m31s
